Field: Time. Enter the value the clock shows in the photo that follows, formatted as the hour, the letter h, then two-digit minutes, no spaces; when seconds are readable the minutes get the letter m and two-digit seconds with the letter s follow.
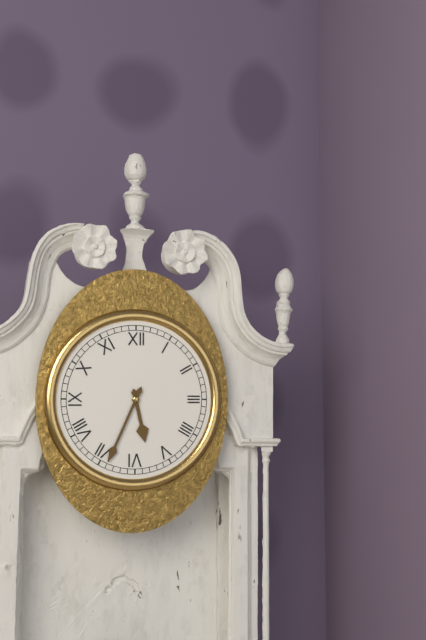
5h34
